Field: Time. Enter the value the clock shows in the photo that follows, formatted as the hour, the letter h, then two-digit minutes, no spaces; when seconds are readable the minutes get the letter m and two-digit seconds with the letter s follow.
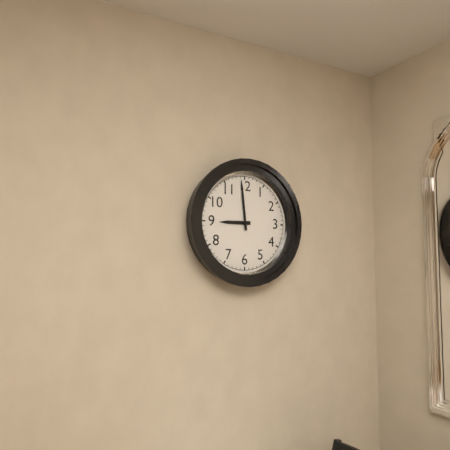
8h59
